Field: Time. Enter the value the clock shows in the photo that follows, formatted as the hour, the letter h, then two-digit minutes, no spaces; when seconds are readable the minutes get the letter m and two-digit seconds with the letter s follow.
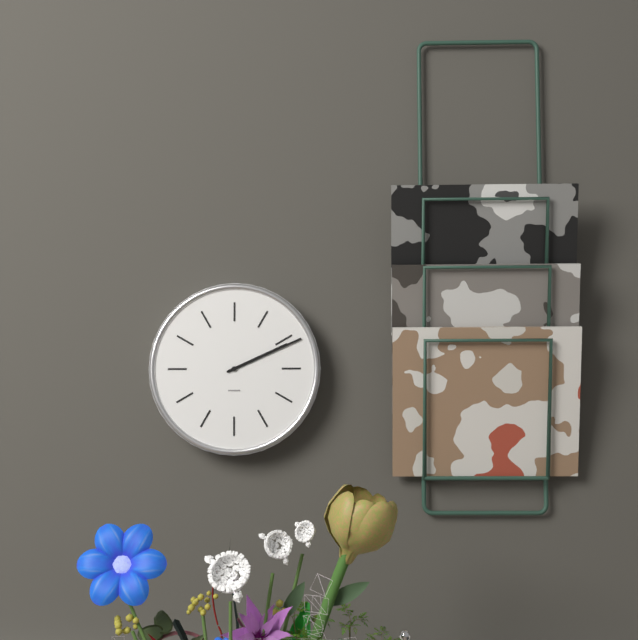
2h11
